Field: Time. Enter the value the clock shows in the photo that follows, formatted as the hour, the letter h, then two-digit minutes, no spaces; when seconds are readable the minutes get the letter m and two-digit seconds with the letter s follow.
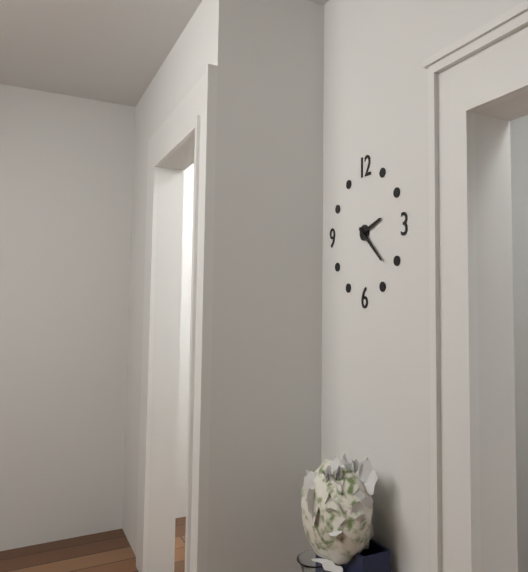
2h22
